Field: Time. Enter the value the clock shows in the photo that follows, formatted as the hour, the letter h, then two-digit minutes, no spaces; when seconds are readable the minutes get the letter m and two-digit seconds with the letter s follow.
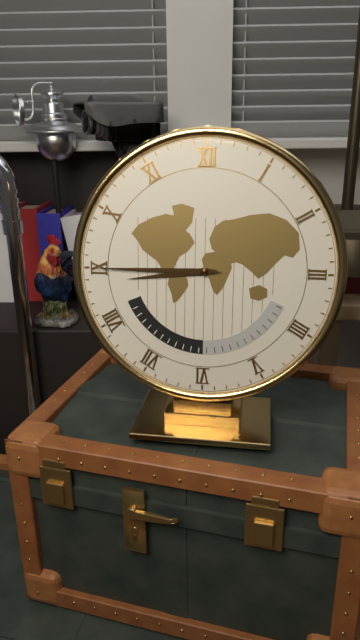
8h45
